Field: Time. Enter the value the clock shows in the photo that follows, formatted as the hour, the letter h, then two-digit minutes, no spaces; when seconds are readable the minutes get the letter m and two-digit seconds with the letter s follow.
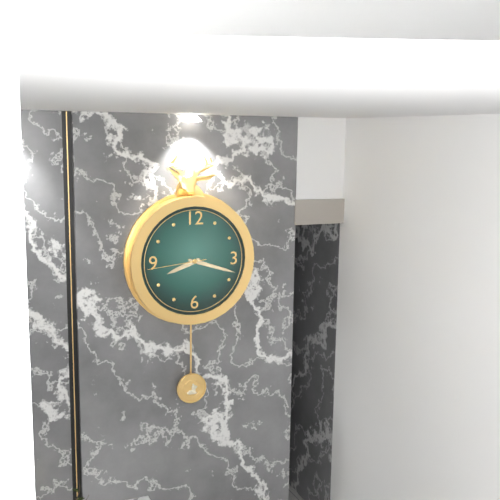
8h18m44s
